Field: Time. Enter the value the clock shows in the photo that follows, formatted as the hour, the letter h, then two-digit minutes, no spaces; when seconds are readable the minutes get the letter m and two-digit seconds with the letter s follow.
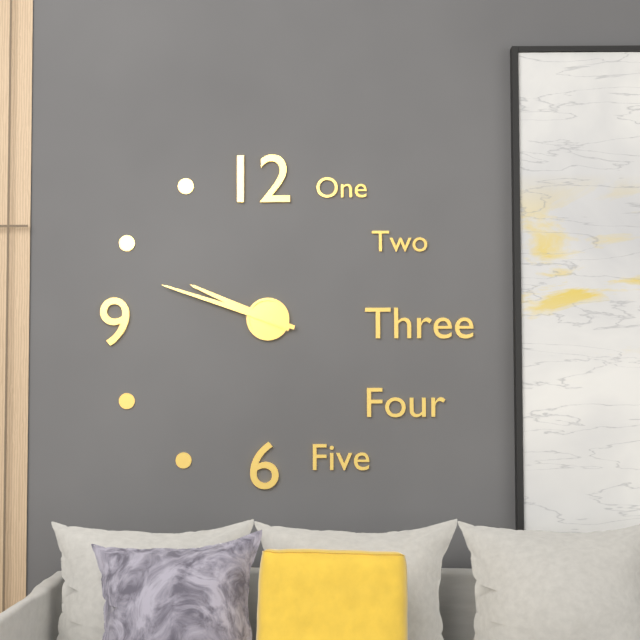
9h48
